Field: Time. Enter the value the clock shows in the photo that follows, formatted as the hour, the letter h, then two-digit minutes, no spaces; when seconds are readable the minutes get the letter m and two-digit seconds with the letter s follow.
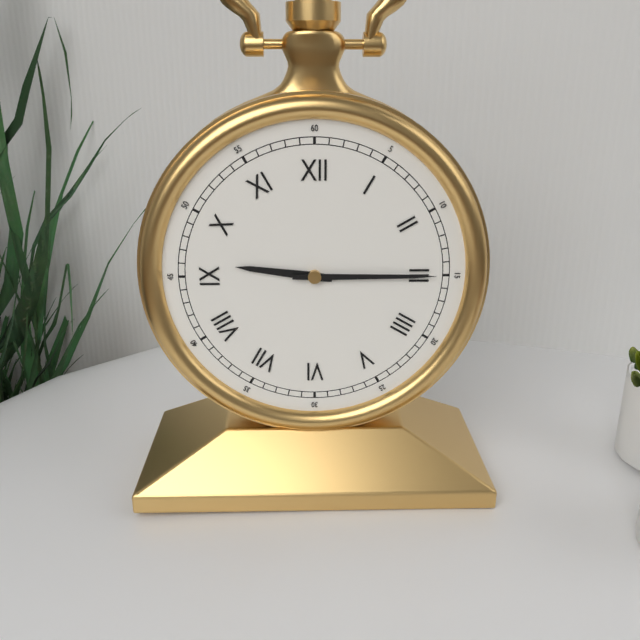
9h15
